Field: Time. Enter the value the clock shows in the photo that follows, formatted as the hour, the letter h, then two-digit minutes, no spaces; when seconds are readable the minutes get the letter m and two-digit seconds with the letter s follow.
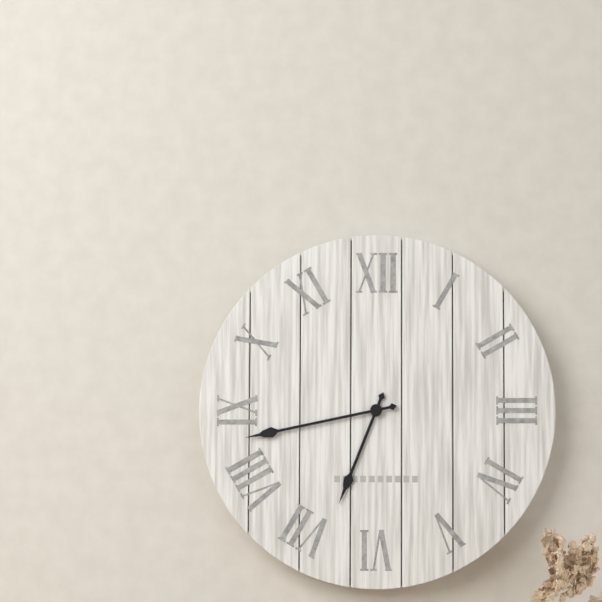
6h43
